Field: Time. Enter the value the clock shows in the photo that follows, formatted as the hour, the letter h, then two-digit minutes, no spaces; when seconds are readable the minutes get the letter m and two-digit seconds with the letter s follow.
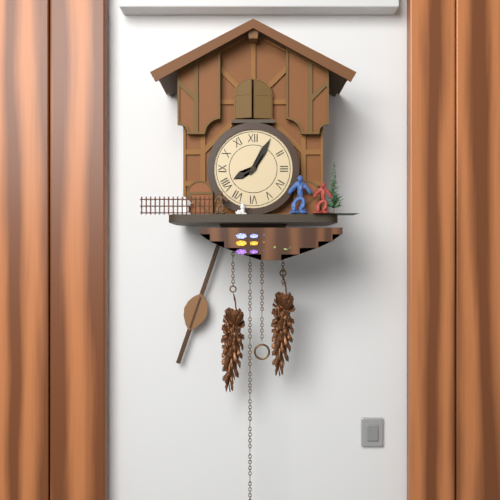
8h05
